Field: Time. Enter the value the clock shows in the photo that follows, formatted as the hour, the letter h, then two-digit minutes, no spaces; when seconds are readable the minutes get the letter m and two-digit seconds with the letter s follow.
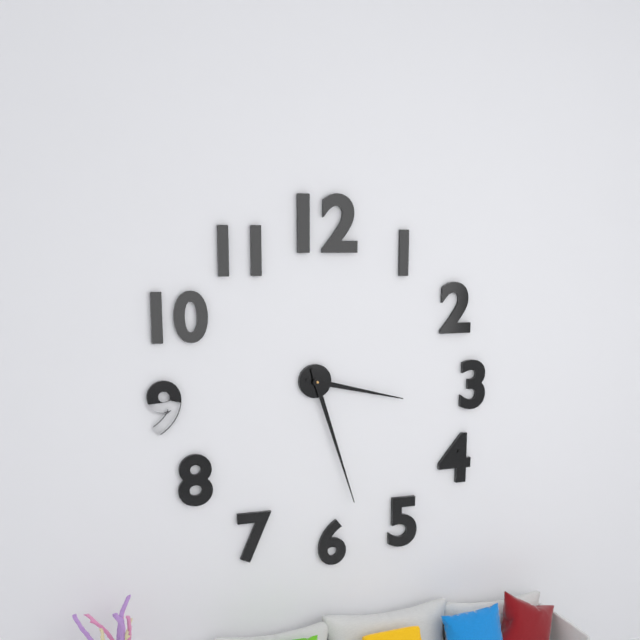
3h27
